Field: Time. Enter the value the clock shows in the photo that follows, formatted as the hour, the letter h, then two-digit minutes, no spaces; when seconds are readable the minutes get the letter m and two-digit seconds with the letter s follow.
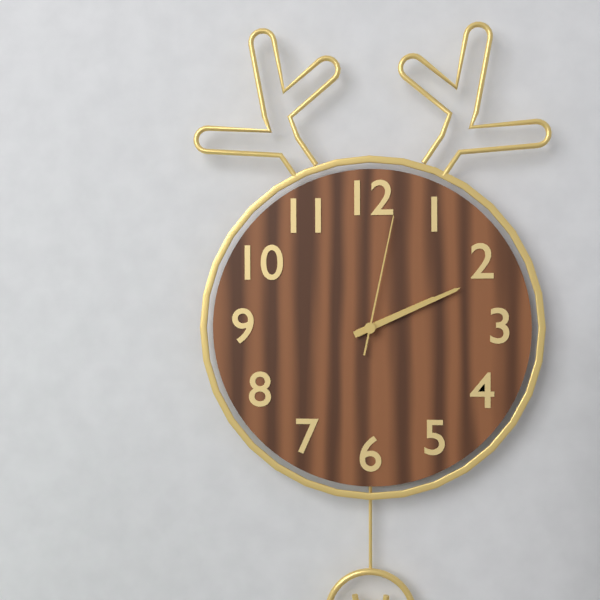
2h11m02s
